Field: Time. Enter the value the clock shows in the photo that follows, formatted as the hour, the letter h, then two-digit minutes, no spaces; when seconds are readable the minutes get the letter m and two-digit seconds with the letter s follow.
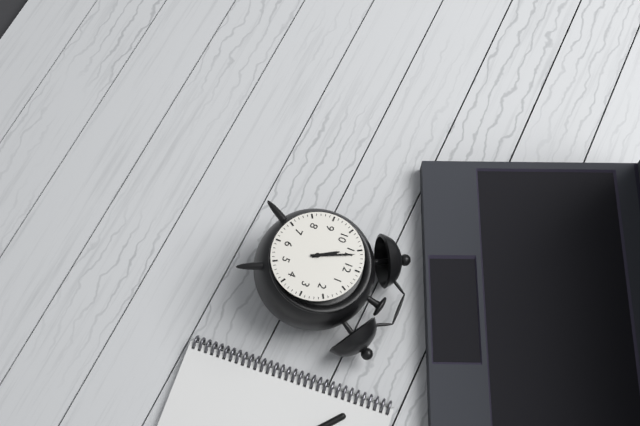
10h56
